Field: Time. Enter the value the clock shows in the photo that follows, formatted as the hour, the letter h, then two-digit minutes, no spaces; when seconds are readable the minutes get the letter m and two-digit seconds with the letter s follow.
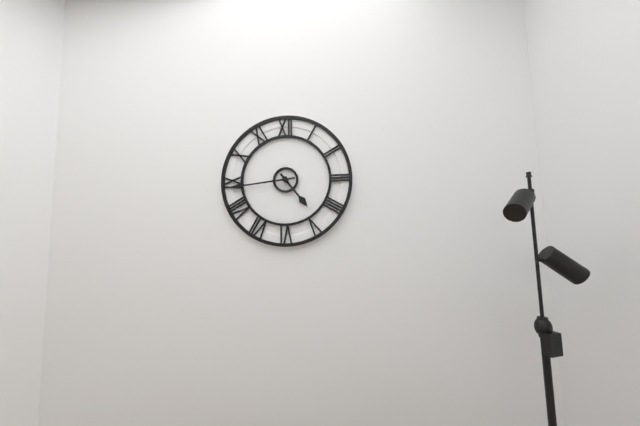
4h44
